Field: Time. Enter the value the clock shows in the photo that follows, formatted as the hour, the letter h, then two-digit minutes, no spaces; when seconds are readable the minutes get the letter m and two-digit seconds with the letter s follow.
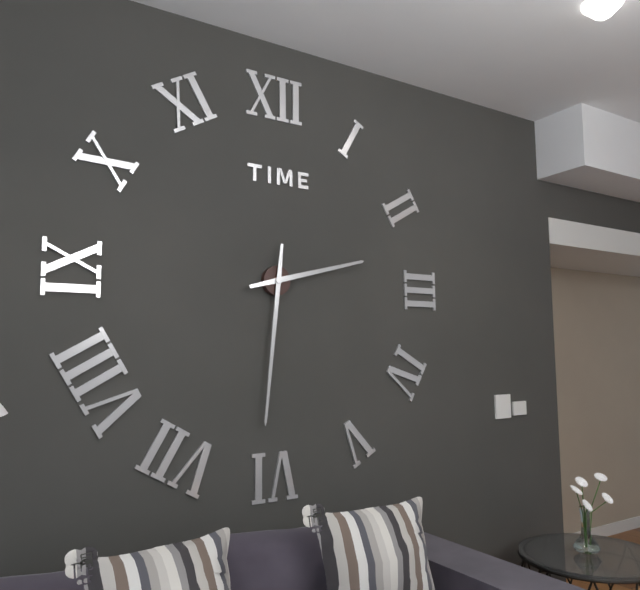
2h31
